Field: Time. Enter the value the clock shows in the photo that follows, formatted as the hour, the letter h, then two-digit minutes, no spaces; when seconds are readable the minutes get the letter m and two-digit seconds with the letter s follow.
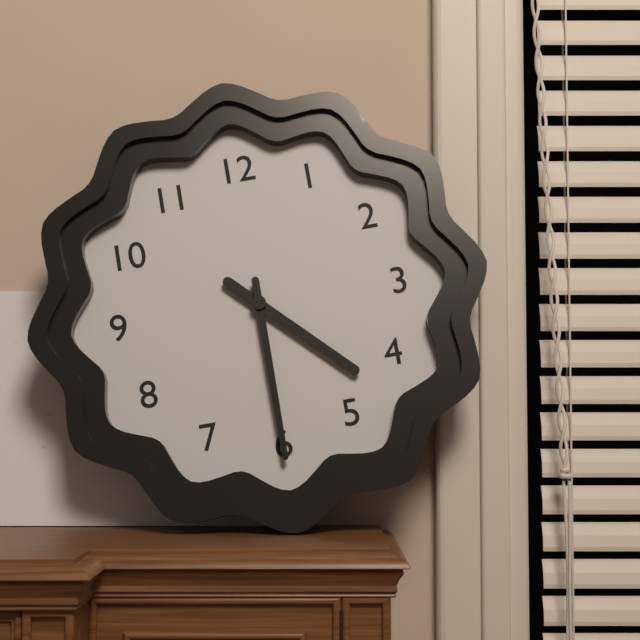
4h30
